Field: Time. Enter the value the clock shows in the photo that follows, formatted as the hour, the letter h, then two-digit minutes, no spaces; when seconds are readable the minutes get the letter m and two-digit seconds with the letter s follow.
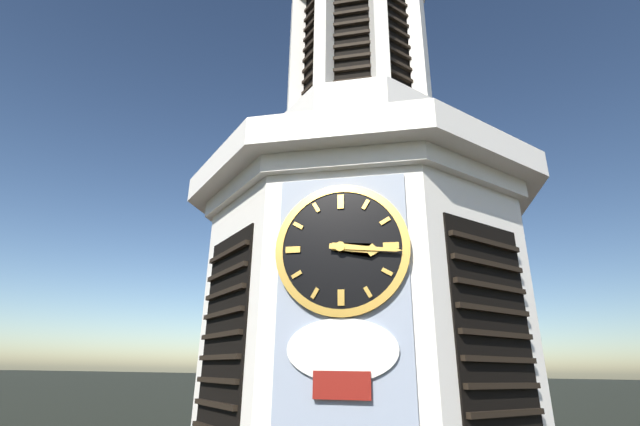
3h16
